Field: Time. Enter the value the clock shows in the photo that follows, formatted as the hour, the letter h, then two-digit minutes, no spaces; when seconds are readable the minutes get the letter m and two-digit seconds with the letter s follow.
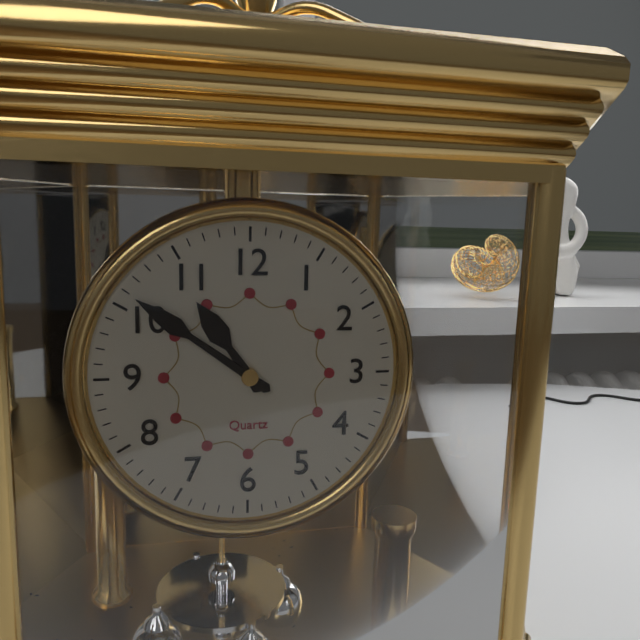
10h51
